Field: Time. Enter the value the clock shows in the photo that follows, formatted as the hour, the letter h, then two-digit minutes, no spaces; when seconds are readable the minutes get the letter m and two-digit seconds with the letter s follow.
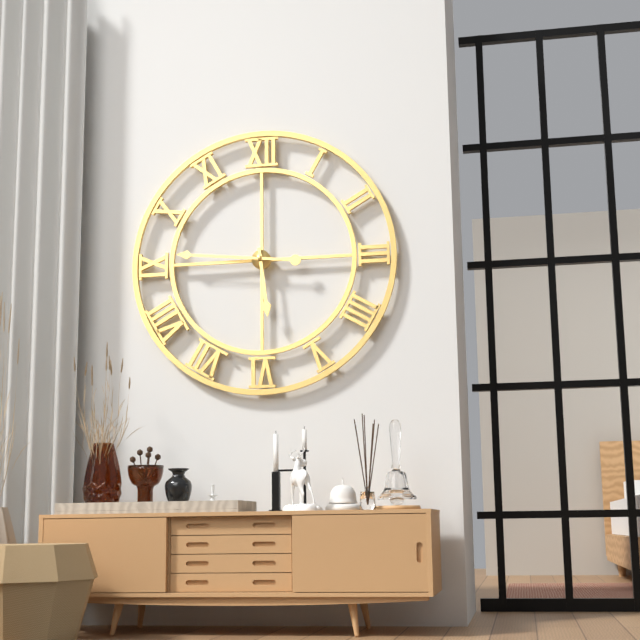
5h46
